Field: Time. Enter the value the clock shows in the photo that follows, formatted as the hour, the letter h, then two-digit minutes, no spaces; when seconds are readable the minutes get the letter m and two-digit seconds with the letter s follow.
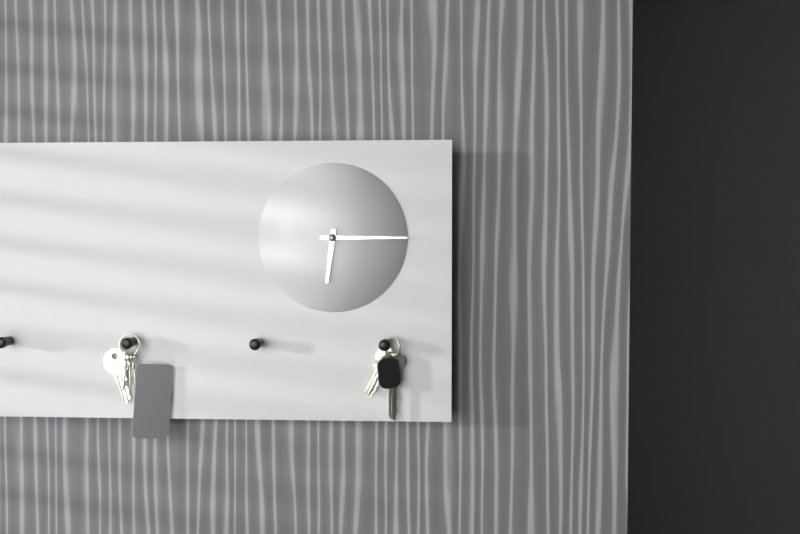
6h15
